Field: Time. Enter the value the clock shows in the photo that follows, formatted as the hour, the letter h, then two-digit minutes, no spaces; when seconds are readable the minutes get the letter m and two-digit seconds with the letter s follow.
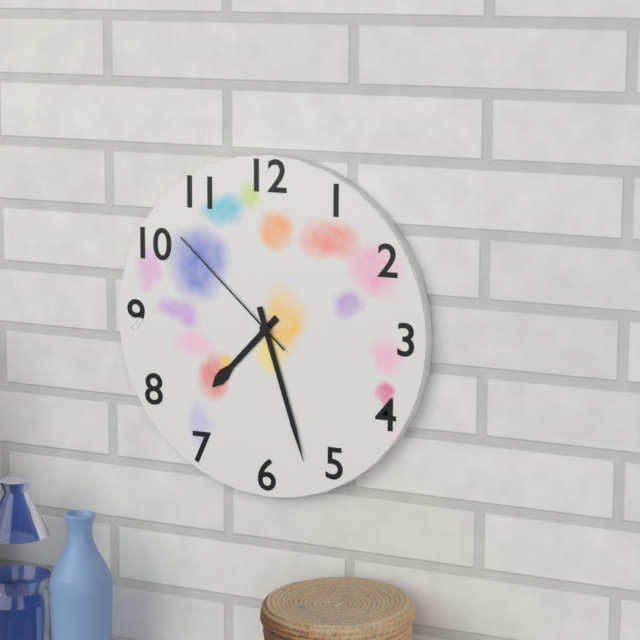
7h27m52s
